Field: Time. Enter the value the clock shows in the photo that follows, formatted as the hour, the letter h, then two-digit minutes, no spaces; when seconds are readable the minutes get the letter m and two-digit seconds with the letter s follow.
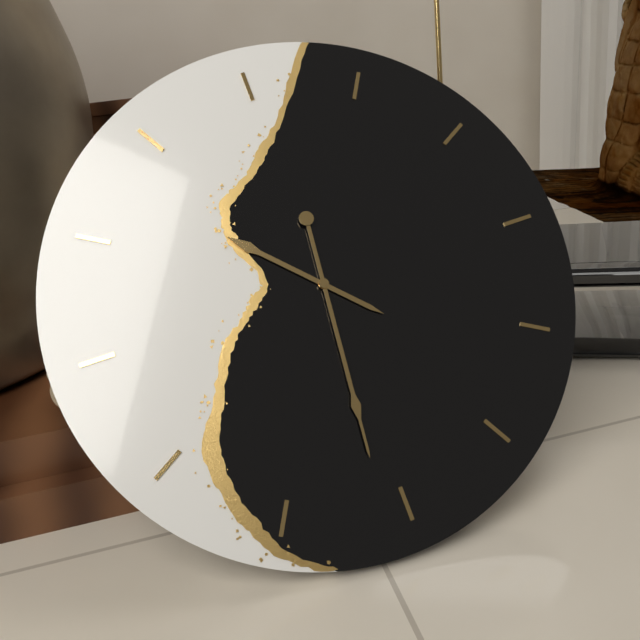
10h31
